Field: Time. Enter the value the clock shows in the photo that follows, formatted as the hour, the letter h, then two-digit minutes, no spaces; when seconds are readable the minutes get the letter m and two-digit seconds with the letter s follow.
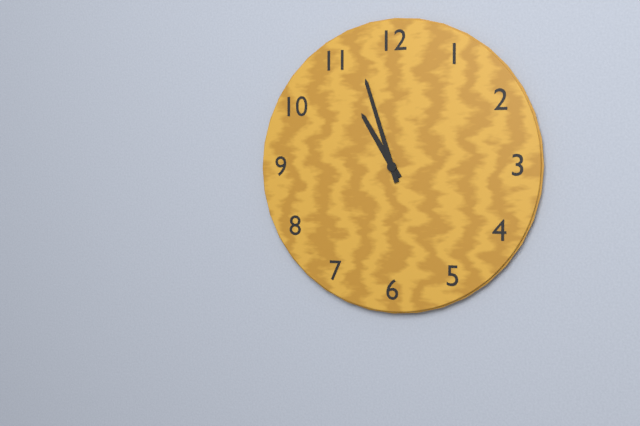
10h57
